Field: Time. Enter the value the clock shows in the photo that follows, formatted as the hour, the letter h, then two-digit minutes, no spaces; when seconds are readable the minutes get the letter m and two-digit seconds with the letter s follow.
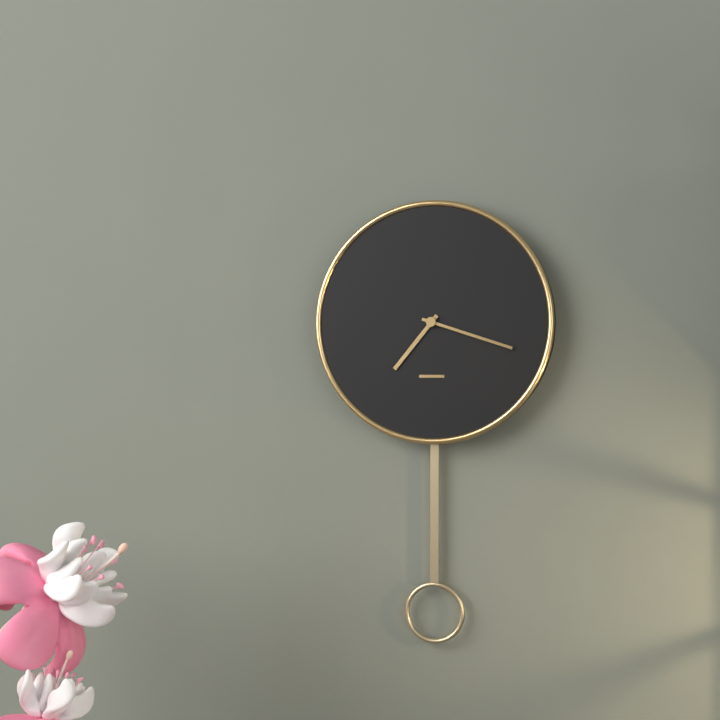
7h18
